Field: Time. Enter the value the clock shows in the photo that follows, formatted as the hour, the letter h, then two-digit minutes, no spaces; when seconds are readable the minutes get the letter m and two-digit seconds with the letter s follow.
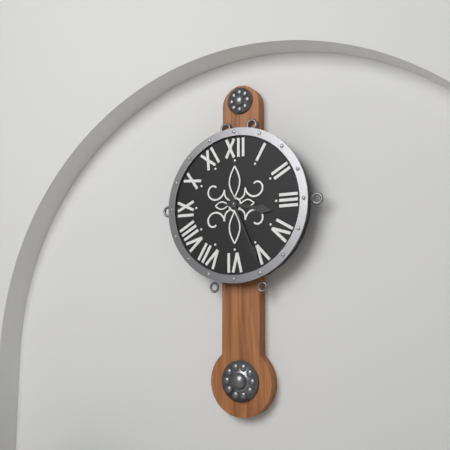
3h26
